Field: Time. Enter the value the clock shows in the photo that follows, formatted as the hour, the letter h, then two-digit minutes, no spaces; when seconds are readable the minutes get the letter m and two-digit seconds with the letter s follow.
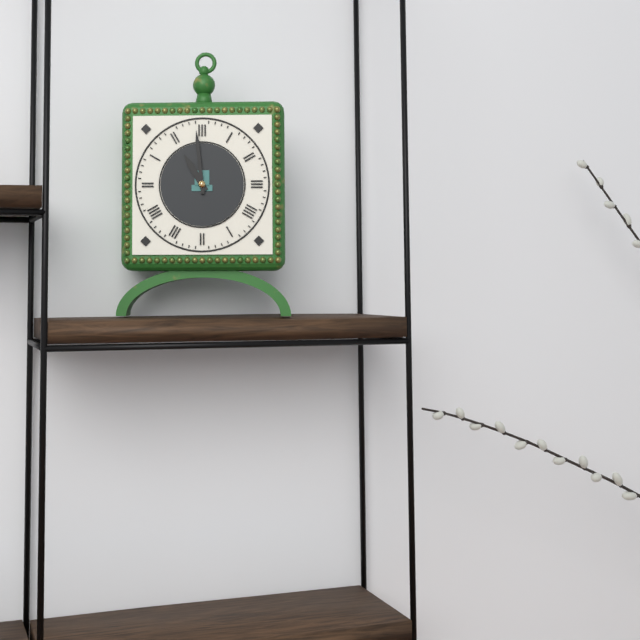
10h59
